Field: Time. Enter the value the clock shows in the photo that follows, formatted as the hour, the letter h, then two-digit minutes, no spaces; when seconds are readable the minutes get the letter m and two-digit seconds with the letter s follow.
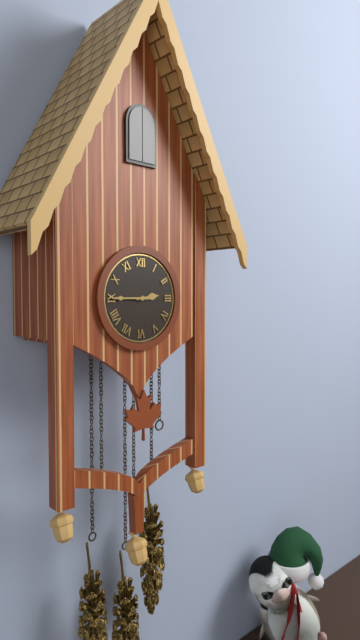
2h45
